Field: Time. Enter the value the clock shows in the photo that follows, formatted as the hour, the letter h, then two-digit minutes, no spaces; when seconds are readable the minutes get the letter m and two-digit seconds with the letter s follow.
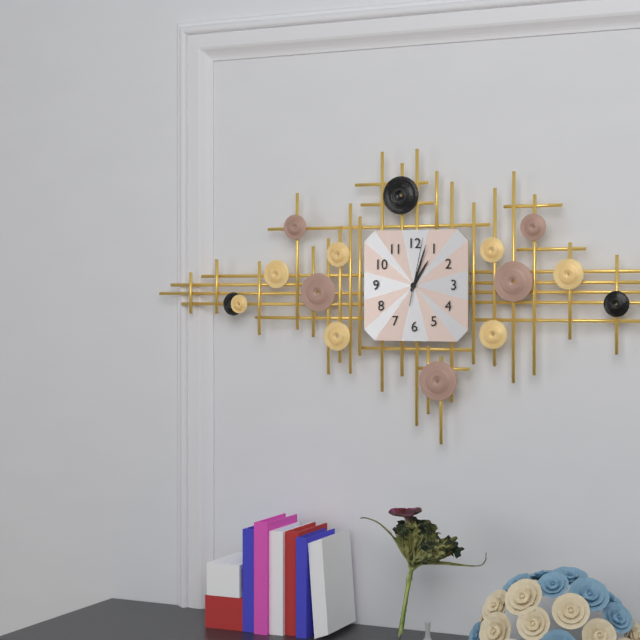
1h03m02s
